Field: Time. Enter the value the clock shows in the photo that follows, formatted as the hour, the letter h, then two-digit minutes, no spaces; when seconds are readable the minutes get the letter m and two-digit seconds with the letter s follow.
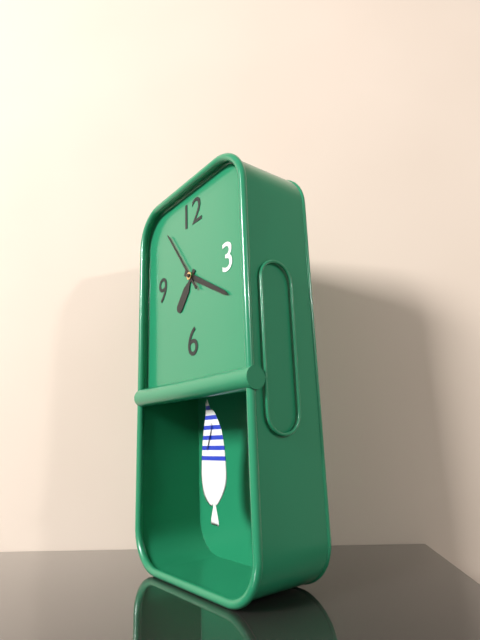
7h20m54s
